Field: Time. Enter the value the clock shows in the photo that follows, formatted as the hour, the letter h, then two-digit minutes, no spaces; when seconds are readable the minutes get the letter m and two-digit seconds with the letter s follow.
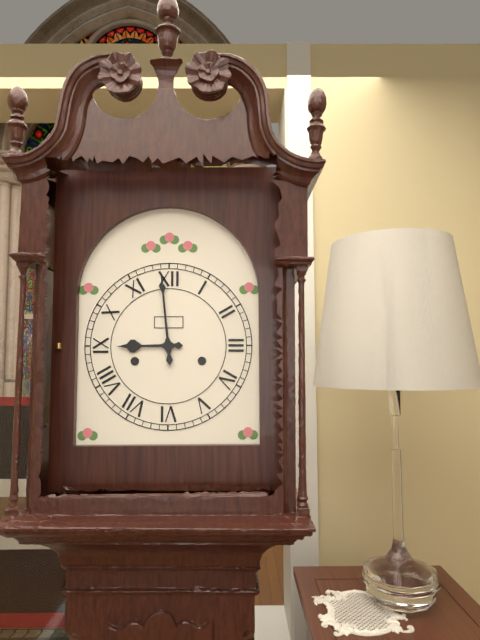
8h59
